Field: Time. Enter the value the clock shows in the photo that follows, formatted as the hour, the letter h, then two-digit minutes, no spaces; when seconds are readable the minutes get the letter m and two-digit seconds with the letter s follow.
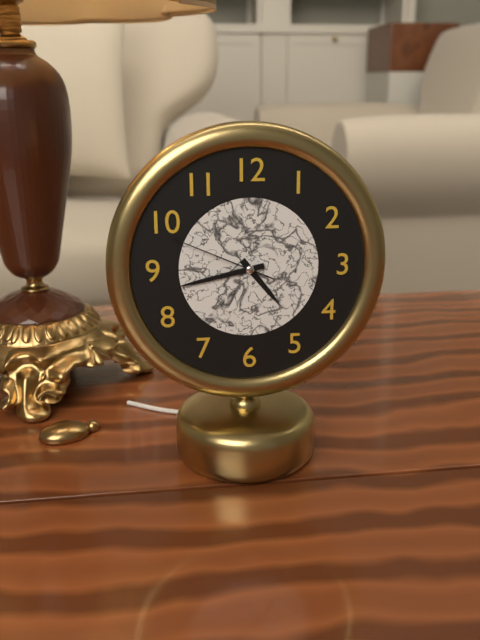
4h43m49s
